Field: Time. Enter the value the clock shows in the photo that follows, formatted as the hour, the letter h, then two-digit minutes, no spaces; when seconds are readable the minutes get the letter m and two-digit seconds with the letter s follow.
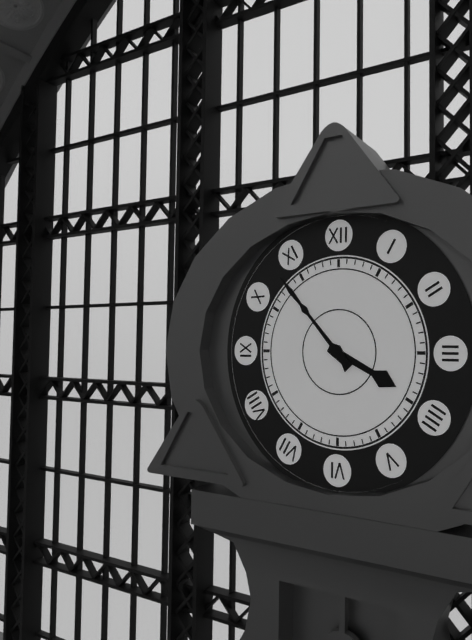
3h53
